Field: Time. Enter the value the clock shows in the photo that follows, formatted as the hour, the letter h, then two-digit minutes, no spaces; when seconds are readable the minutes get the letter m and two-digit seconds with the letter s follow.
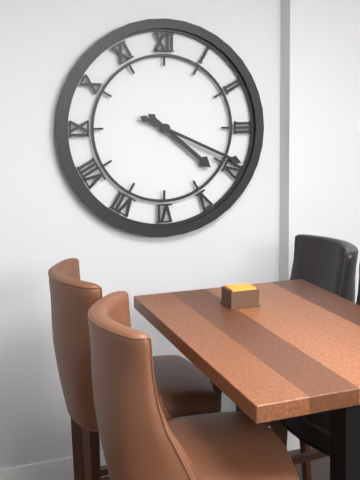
4h19
